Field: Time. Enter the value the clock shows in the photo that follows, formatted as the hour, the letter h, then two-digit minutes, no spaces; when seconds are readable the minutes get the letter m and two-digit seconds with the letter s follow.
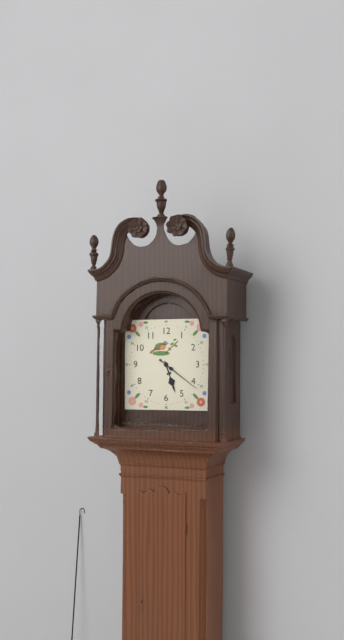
5h21
